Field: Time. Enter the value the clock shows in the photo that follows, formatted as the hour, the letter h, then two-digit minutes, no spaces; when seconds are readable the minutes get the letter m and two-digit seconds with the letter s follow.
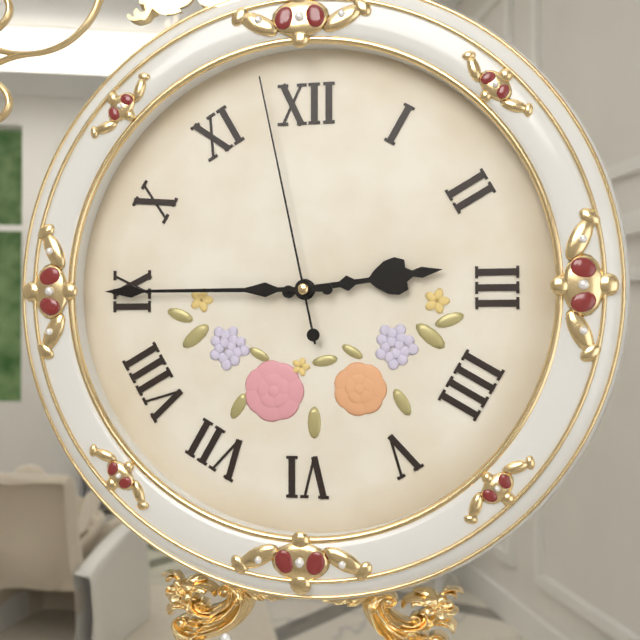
2h45m58s
